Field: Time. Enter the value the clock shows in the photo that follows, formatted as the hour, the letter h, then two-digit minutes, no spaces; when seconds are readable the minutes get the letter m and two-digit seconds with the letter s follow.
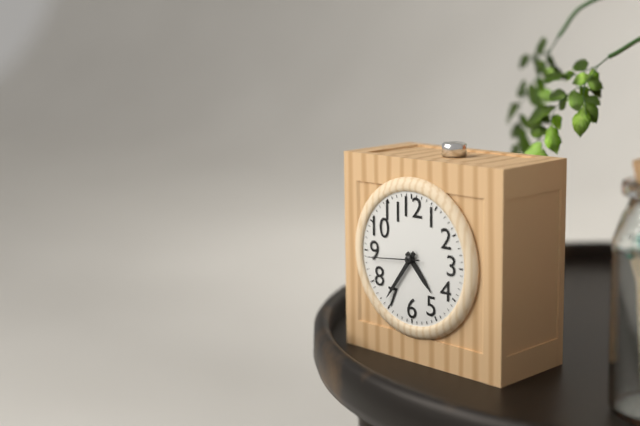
4h36m44s
